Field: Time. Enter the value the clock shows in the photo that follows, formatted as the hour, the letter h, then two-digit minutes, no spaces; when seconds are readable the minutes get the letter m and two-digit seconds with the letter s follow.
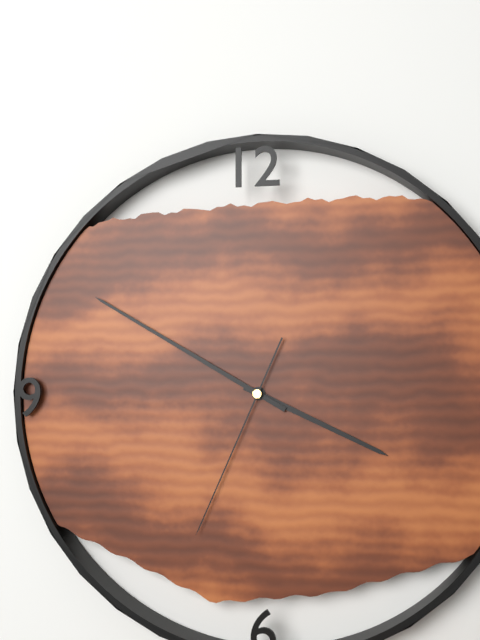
3h50m34s
